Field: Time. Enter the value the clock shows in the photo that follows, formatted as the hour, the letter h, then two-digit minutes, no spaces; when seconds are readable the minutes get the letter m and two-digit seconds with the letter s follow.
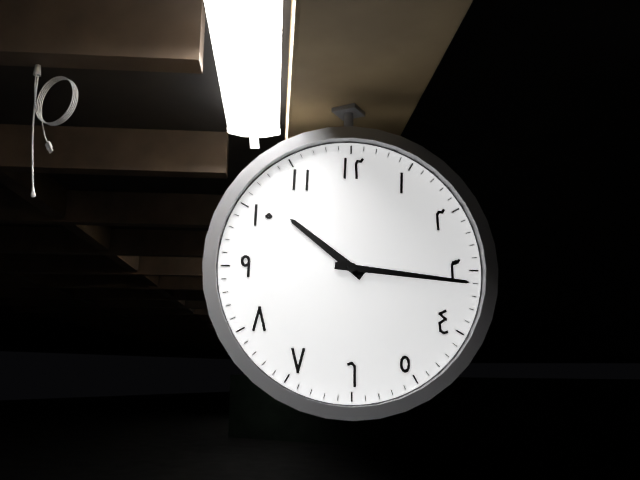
10h16
